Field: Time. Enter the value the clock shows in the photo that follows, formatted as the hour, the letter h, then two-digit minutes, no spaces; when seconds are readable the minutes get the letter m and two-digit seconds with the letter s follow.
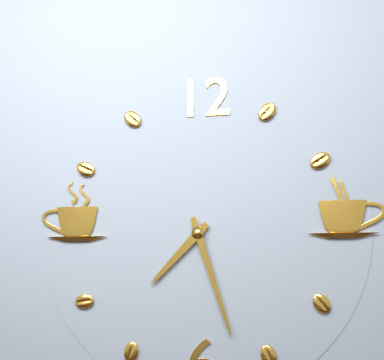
7h27
